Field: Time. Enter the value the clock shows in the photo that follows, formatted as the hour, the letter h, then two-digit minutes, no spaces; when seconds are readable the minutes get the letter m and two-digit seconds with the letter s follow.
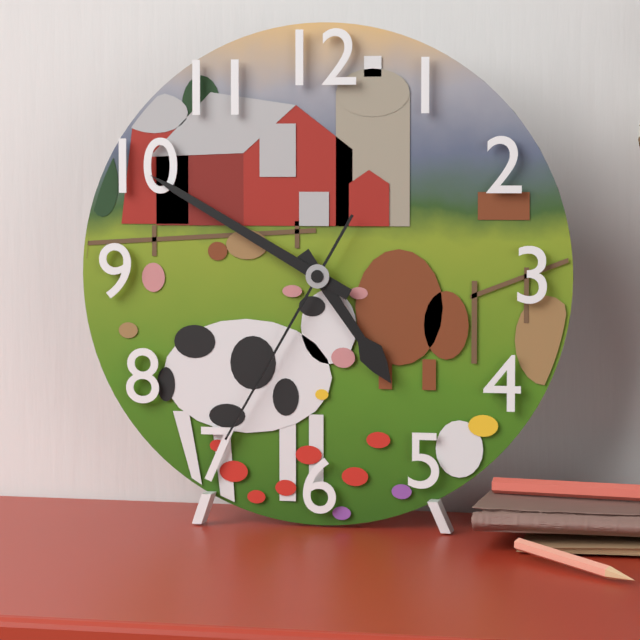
4h50m35s
